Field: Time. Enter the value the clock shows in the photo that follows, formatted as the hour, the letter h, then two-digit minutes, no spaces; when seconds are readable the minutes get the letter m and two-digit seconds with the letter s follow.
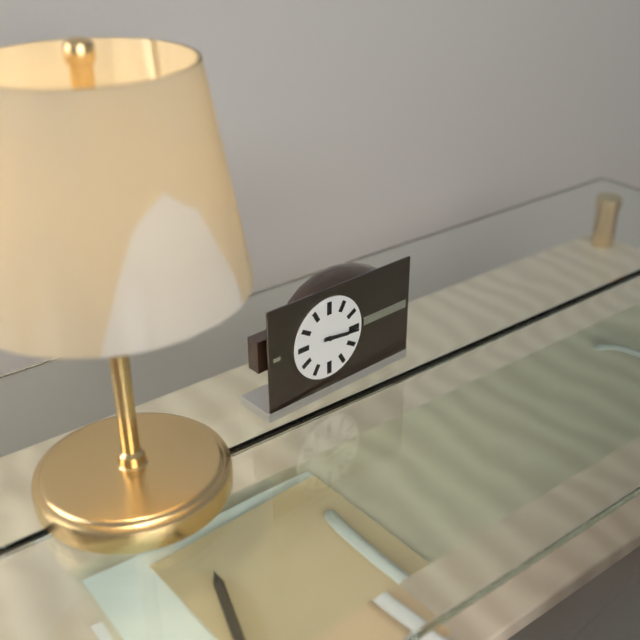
3h16
